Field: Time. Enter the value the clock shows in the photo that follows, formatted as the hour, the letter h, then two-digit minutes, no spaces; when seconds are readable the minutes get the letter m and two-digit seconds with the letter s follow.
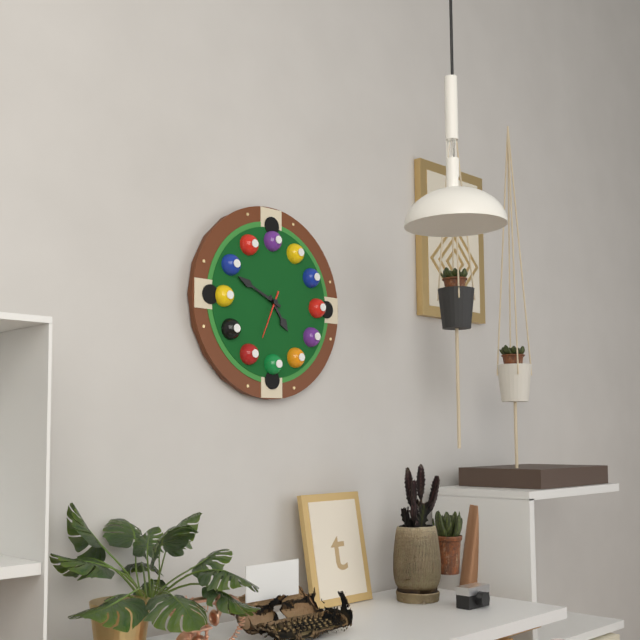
4h49
